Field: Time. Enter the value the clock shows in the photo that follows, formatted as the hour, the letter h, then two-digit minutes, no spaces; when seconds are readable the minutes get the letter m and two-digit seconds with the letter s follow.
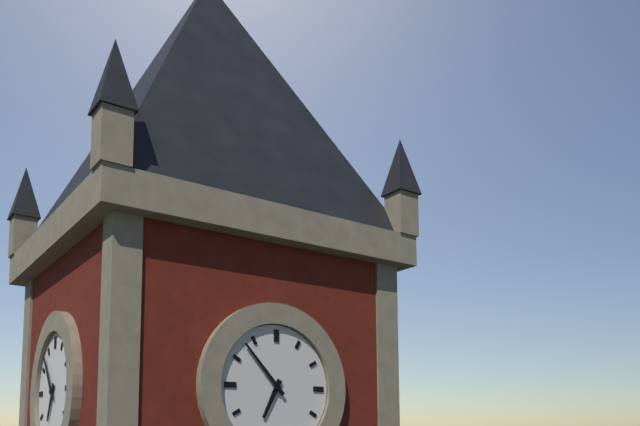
6h53
